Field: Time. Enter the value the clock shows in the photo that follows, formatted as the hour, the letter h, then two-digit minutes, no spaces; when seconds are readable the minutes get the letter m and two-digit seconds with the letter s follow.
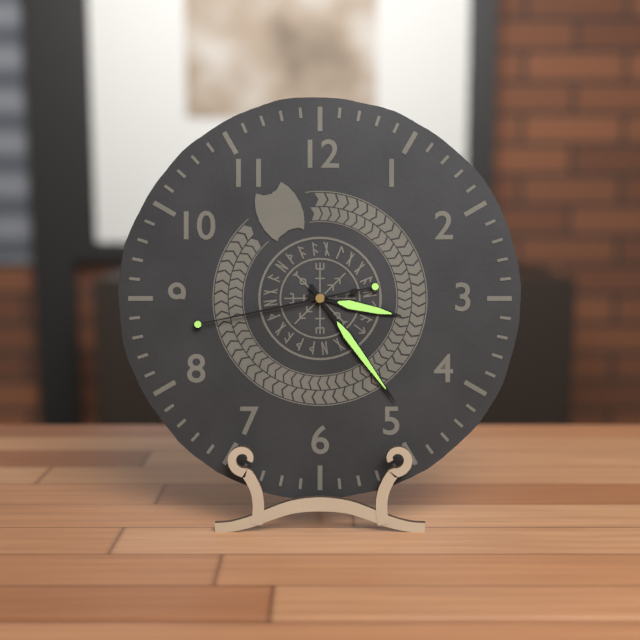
3h24m43s
